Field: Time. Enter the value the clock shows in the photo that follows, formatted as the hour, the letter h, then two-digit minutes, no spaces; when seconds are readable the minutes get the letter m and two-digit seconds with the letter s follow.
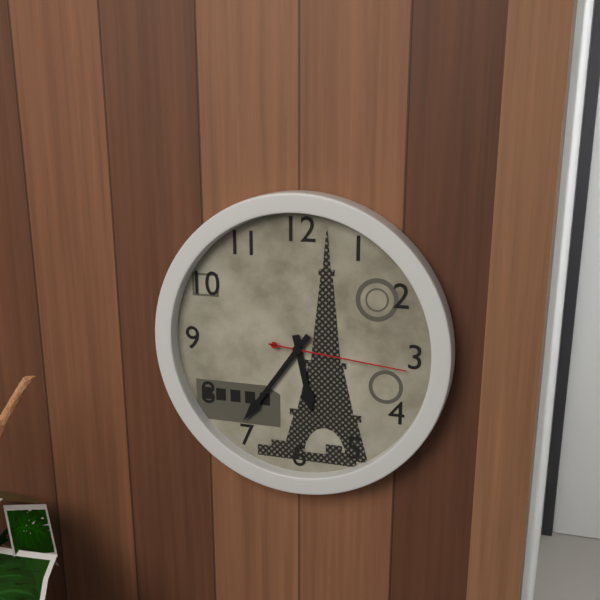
5h36m16s
